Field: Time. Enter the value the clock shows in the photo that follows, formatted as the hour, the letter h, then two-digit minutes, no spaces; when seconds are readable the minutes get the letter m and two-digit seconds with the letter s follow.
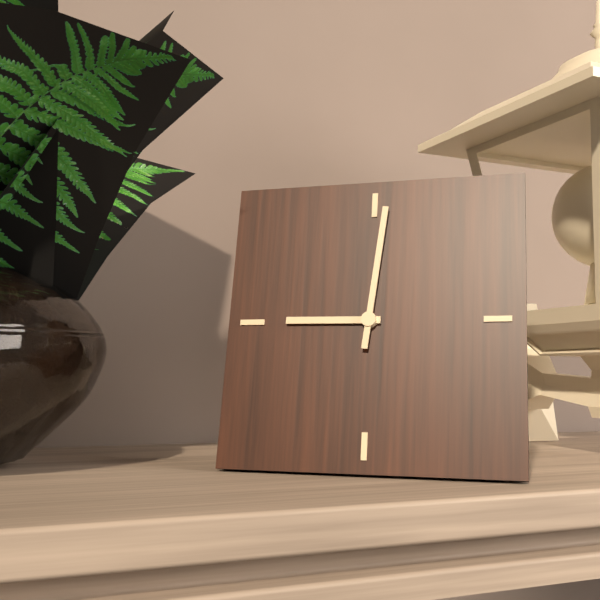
9h01
